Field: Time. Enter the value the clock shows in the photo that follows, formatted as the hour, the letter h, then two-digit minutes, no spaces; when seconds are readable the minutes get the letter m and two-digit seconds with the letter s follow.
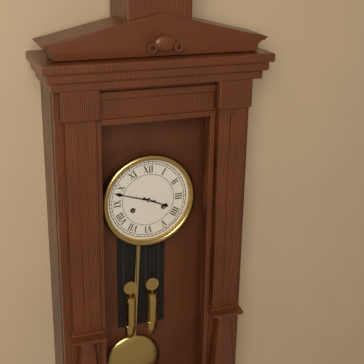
3h48
